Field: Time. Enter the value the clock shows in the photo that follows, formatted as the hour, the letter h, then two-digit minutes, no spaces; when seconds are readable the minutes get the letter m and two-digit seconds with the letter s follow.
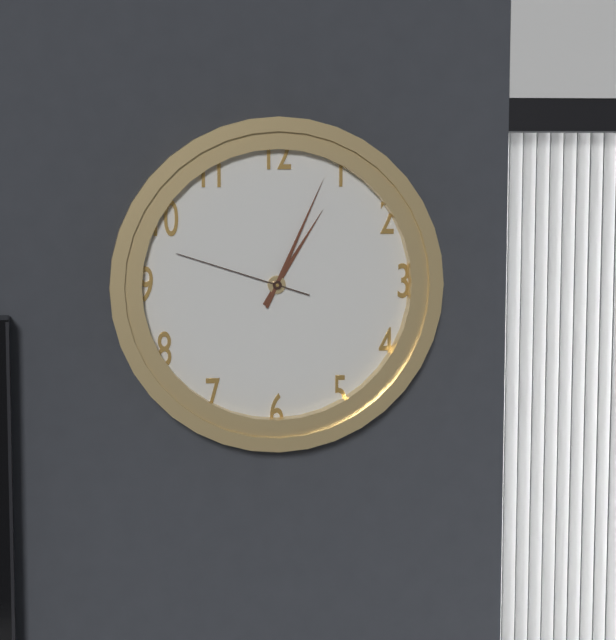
1h04m48s
